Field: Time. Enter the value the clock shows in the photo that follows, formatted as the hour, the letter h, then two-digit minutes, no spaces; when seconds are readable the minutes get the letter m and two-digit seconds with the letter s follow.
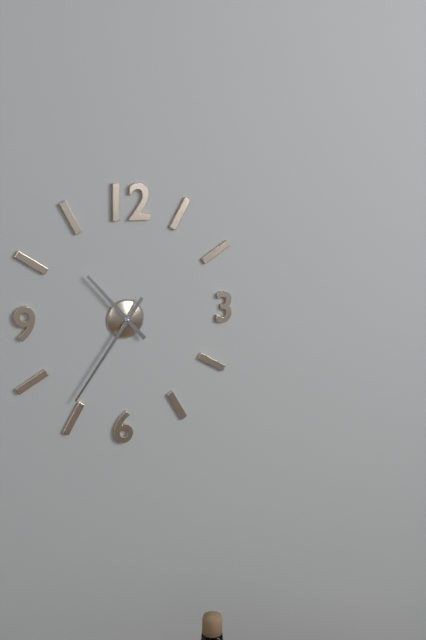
10h36
